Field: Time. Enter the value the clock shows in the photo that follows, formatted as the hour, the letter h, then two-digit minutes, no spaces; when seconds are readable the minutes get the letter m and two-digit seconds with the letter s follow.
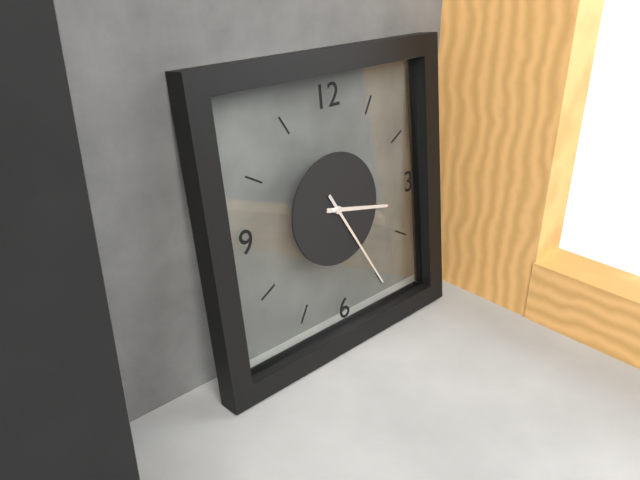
3h25
